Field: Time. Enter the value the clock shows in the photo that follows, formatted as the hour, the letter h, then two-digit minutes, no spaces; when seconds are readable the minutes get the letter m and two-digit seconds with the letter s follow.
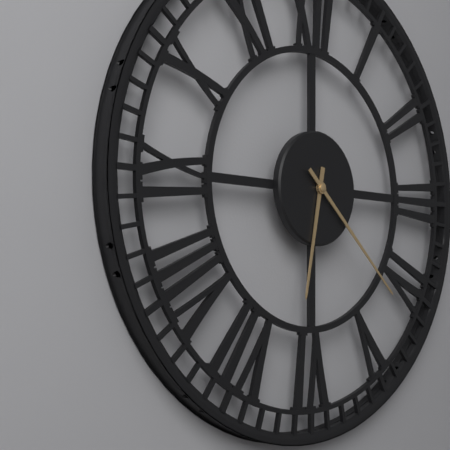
6h22
